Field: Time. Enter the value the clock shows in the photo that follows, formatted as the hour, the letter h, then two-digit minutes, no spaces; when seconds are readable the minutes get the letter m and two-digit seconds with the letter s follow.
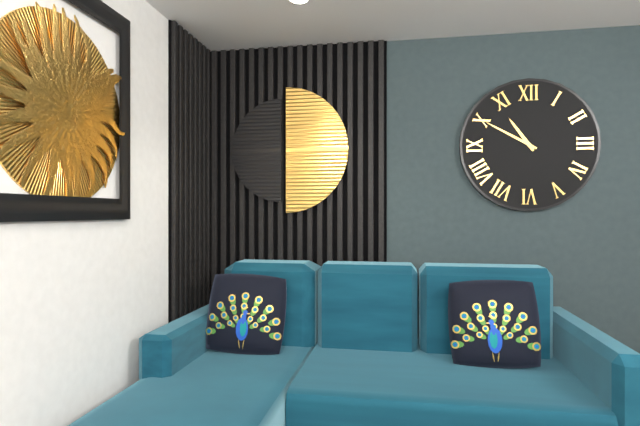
10h50
